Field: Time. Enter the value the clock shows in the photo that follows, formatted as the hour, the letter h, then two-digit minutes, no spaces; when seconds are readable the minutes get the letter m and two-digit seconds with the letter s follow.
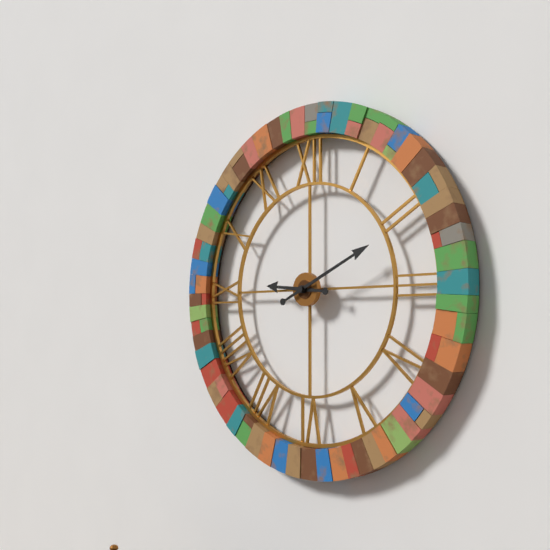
9h11
